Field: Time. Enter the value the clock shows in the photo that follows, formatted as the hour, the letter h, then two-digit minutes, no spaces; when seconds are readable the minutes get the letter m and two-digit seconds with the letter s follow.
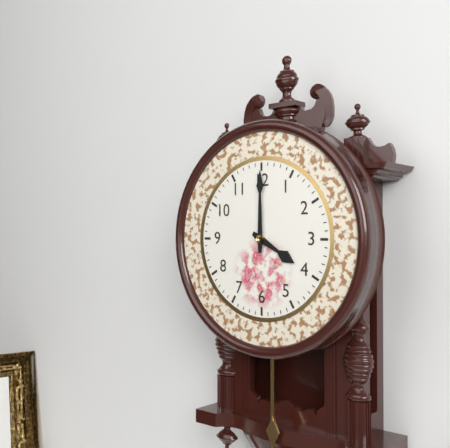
4h00
